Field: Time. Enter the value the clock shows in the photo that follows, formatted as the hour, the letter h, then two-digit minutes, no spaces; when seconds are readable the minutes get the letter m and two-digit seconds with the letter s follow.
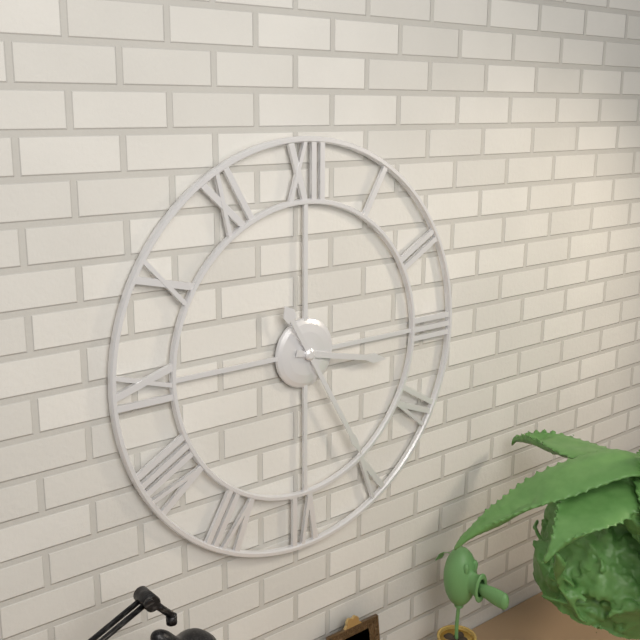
3h25
